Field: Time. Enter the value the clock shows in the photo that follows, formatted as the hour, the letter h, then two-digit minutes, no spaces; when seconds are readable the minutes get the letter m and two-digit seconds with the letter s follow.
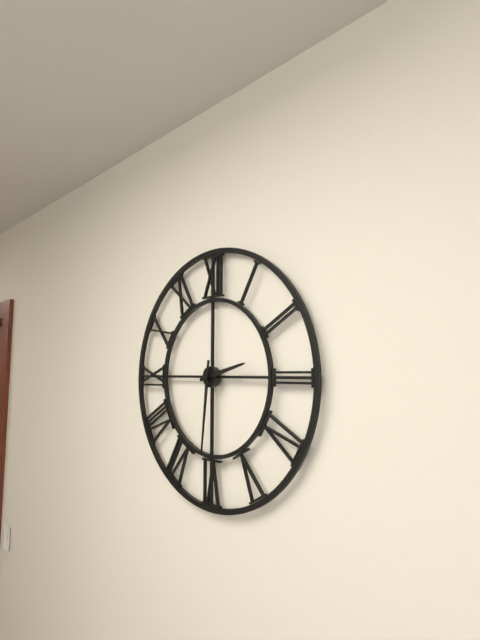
2h31
